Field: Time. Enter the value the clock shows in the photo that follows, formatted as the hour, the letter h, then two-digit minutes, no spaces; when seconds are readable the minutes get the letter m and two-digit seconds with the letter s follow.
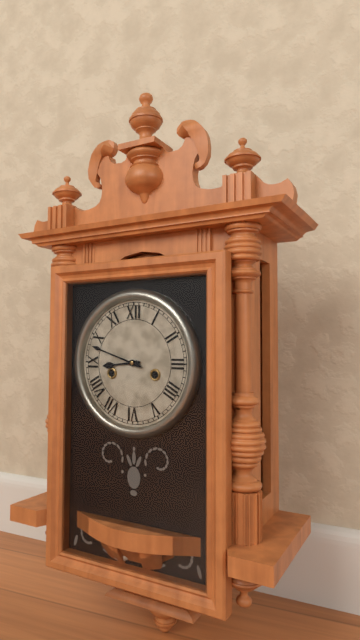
8h48
